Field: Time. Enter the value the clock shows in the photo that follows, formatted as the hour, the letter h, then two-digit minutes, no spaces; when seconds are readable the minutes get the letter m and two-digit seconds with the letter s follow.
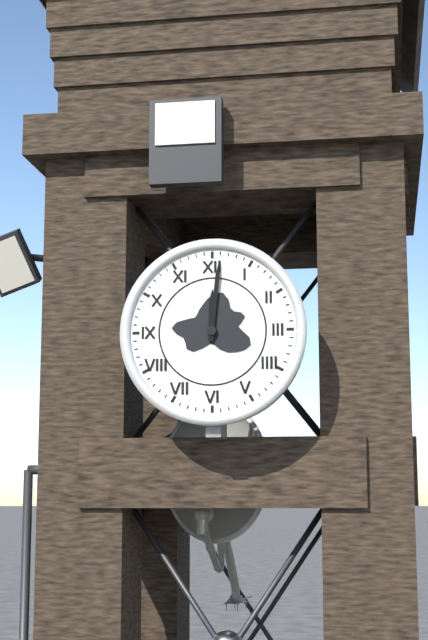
12h01
